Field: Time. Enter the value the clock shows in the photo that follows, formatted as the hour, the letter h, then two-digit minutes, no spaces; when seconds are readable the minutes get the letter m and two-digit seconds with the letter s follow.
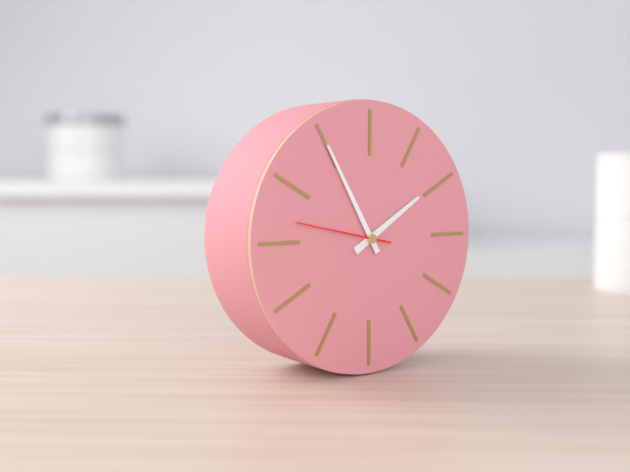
1h55m47s
